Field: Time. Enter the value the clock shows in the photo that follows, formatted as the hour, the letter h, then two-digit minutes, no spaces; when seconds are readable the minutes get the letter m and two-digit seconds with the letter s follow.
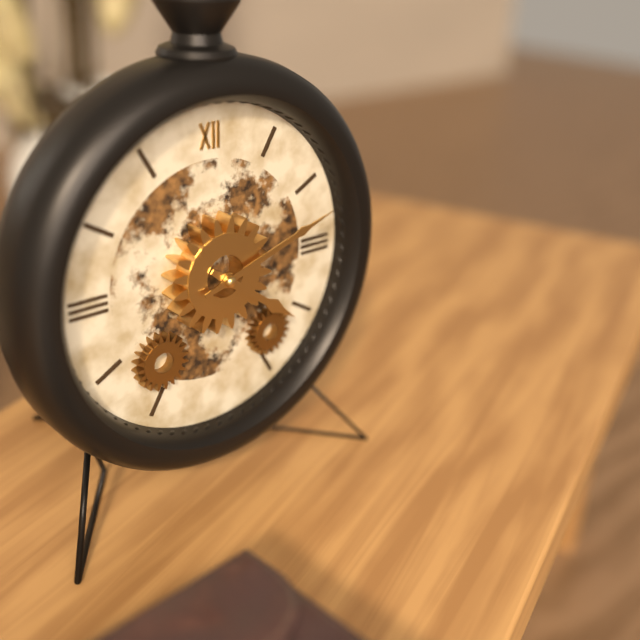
4h12
